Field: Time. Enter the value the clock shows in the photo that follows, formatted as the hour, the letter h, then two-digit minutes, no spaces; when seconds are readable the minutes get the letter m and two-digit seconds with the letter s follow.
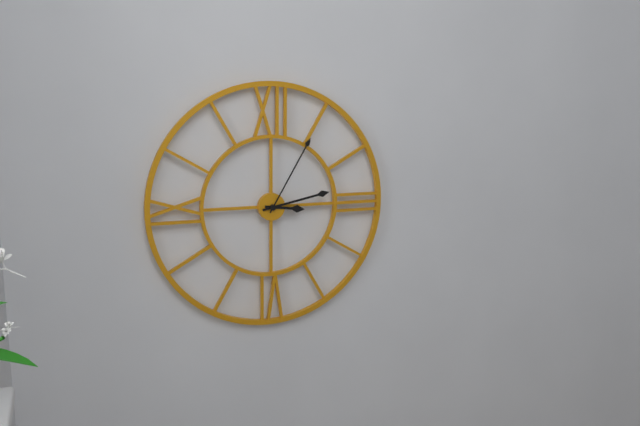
3h13m05s
